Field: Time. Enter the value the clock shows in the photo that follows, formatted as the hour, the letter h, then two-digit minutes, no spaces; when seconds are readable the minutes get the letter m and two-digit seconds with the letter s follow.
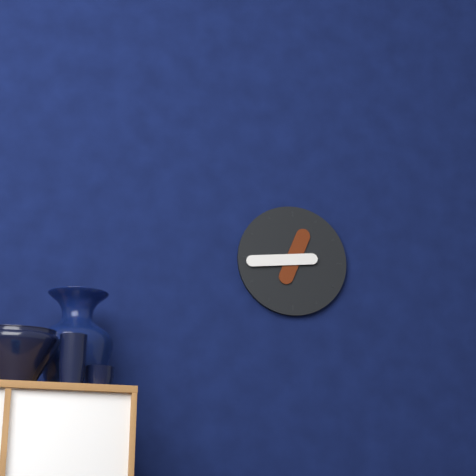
12h44
